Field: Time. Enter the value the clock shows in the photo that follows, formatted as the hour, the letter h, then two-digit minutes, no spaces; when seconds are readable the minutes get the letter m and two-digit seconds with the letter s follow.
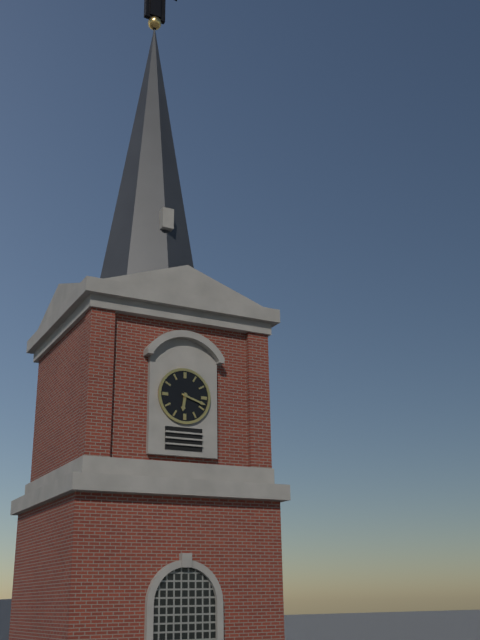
6h18
